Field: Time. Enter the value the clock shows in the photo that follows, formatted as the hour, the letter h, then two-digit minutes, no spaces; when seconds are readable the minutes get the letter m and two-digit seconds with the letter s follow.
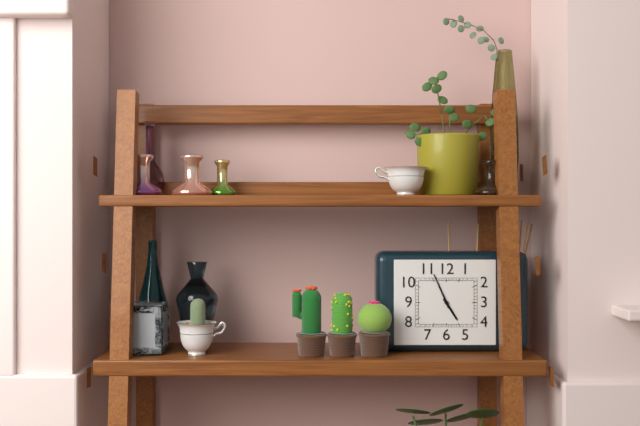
4h56
